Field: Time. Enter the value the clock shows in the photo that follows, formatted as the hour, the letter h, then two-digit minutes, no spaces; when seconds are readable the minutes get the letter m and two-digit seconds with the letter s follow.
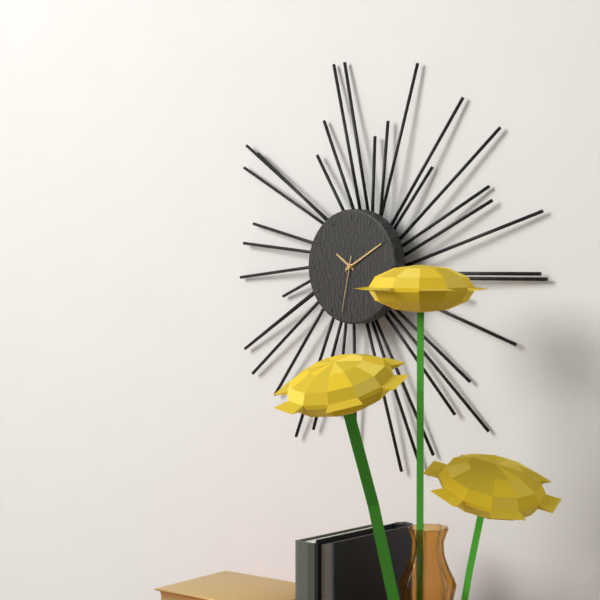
10h10m32s
